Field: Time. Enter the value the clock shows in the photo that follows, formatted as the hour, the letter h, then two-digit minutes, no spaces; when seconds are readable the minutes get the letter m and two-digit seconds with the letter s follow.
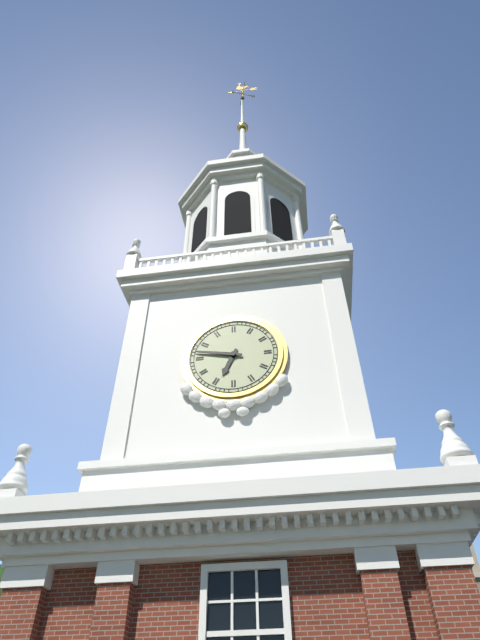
6h47
